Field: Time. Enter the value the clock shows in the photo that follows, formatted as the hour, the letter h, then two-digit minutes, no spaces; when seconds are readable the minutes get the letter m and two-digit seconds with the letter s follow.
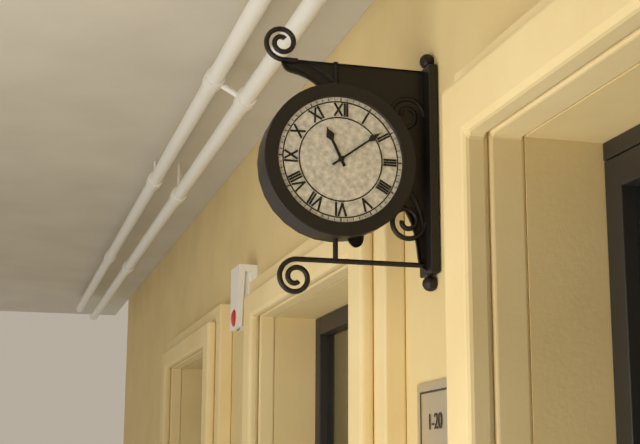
11h09
